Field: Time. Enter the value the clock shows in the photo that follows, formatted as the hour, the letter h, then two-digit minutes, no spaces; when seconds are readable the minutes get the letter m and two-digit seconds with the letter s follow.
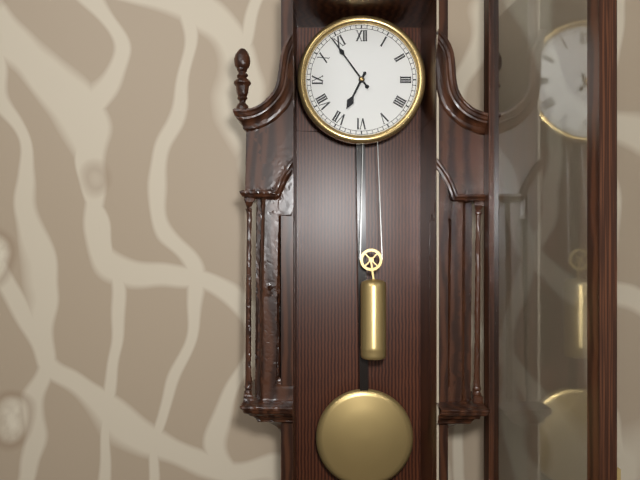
6h54
